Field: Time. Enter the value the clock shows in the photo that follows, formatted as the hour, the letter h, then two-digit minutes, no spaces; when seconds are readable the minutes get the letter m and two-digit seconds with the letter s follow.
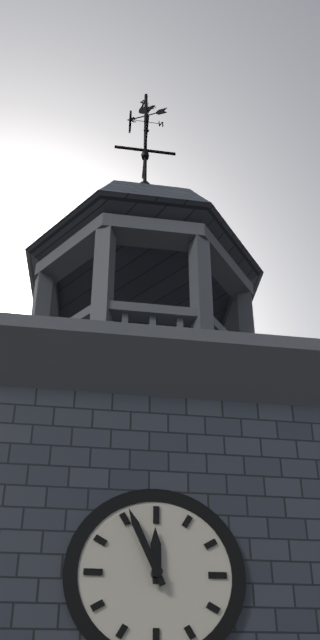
11h56
